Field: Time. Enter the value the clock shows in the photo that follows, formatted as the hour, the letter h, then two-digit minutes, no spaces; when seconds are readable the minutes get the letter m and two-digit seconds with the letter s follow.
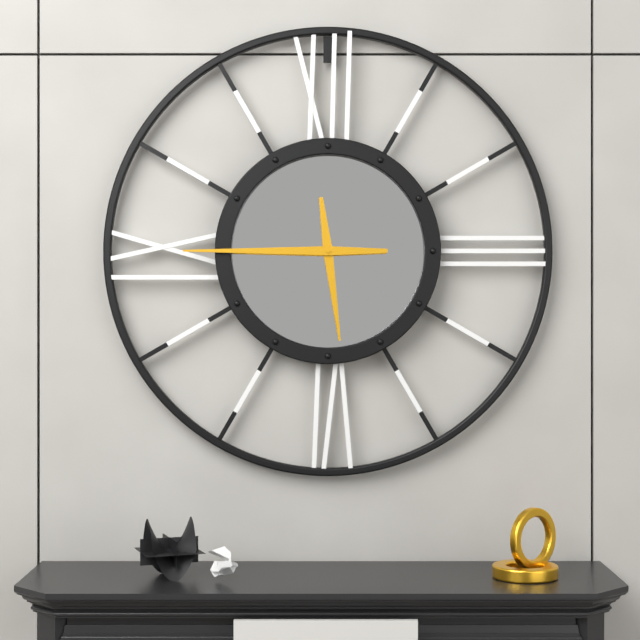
5h45
